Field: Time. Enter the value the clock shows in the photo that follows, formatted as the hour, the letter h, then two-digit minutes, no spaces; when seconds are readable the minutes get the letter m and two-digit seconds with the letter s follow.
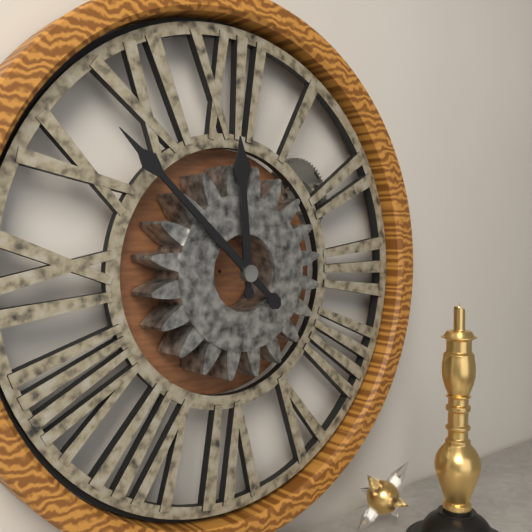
11h52
